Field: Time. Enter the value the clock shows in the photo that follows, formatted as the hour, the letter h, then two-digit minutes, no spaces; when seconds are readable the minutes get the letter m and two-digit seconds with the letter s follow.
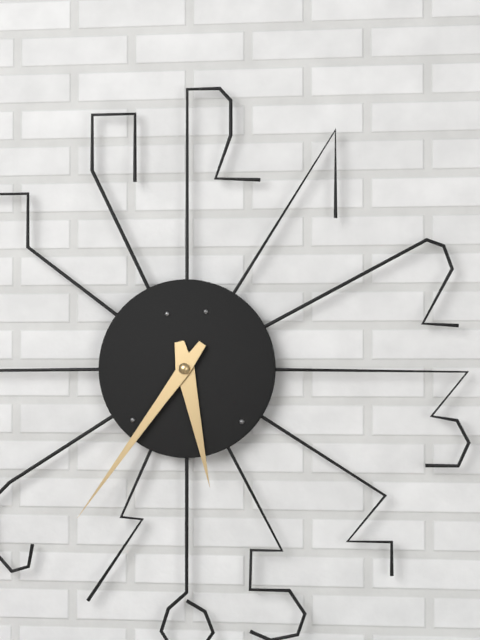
5h36
